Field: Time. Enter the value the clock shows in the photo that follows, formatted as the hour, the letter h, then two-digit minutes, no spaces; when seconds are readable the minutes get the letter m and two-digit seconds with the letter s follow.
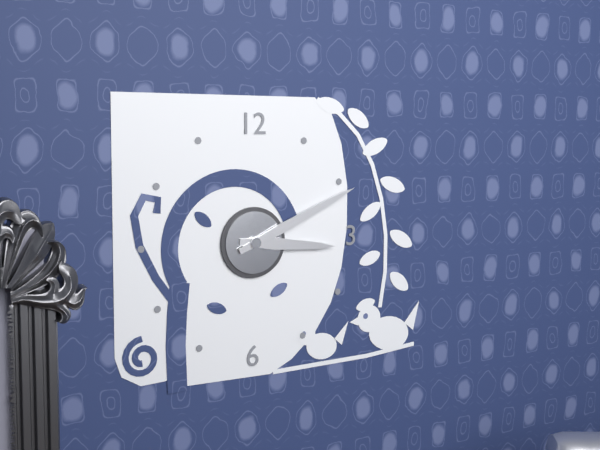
3h11
